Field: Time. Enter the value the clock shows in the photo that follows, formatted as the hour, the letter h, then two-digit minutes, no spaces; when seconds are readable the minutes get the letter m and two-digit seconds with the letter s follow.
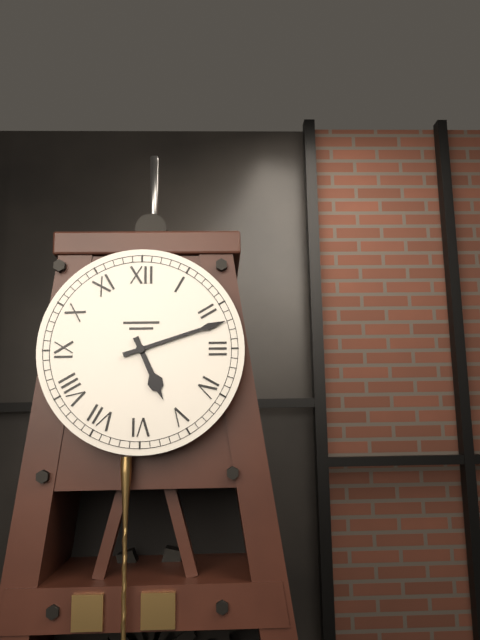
5h12
